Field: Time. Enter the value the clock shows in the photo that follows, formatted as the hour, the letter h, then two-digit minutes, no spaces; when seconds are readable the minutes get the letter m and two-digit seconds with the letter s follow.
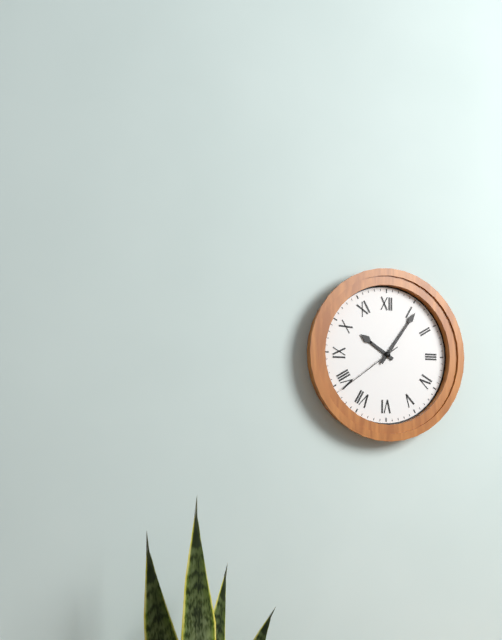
10h06m39s
